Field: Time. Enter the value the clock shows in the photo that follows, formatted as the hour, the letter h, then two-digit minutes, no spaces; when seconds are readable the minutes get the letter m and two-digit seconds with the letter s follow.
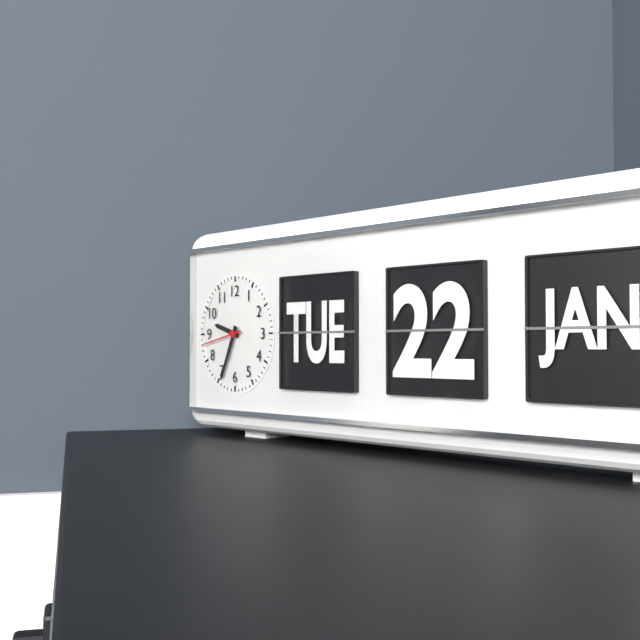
9h34m43s
